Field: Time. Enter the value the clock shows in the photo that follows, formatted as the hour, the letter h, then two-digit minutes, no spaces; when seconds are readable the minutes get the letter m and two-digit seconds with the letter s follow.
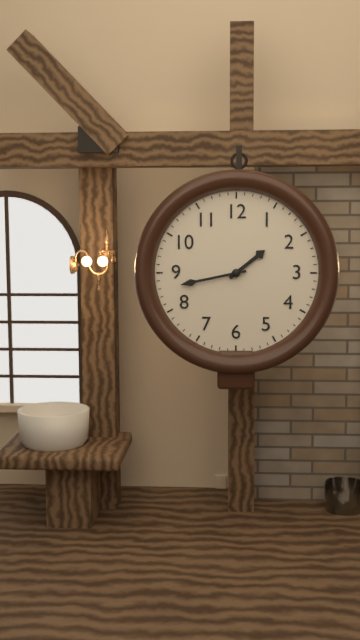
1h43
